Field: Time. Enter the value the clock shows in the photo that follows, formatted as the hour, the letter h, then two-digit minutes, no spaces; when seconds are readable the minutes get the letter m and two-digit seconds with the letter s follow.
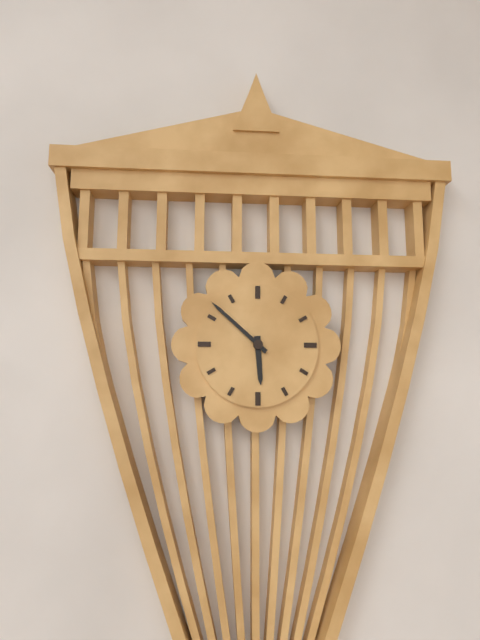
5h52
